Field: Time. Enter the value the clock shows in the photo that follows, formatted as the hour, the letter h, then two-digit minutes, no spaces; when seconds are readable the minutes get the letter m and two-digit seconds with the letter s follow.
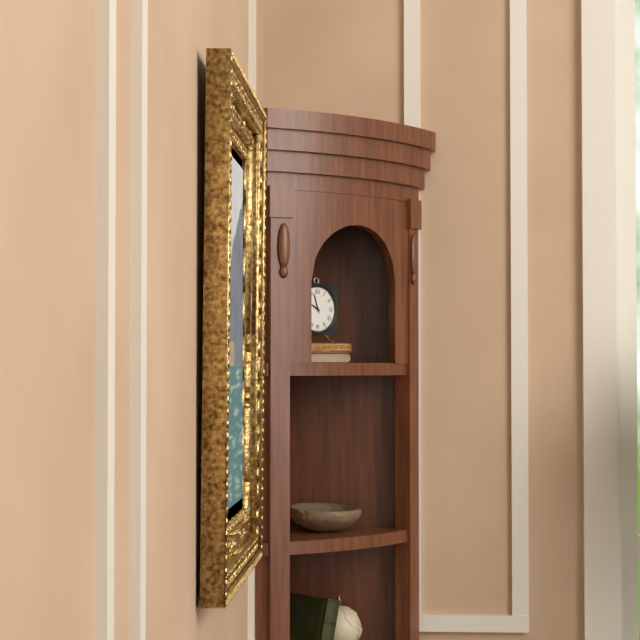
9h57
